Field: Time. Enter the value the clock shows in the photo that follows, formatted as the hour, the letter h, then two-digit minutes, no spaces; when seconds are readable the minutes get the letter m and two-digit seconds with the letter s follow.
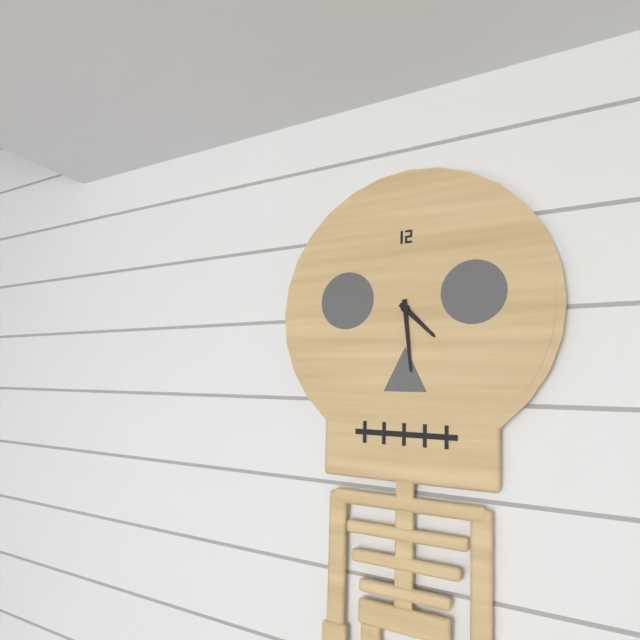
4h29
